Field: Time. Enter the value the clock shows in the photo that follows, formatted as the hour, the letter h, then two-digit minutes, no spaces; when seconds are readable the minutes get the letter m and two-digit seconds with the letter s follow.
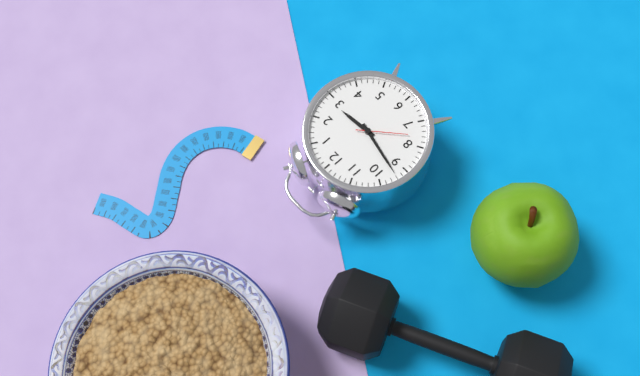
2h47m38s
